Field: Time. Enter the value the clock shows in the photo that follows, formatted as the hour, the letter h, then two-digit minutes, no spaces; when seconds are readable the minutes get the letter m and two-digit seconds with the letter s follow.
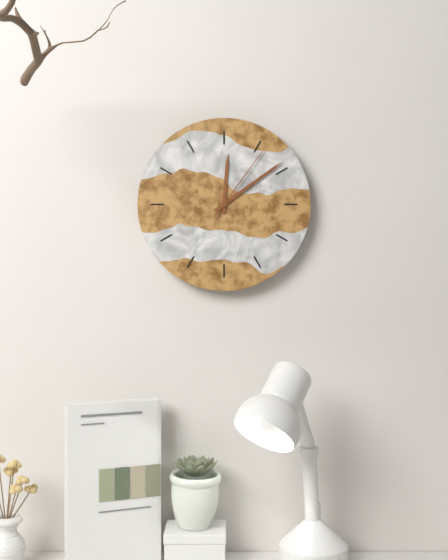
12h09m06s
